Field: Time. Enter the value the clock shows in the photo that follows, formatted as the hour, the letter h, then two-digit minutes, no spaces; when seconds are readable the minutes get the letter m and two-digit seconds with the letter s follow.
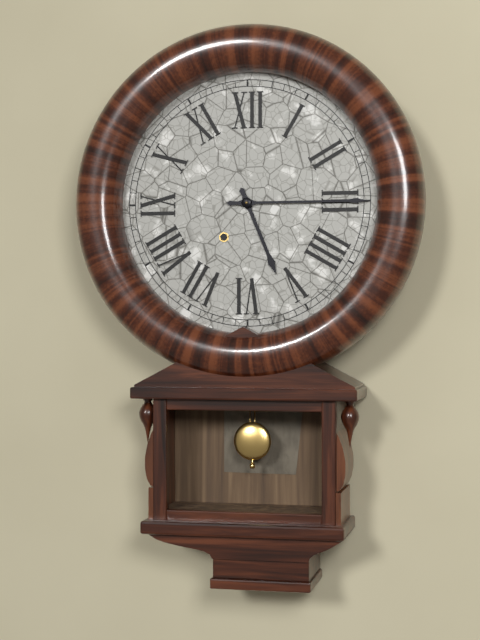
5h15
